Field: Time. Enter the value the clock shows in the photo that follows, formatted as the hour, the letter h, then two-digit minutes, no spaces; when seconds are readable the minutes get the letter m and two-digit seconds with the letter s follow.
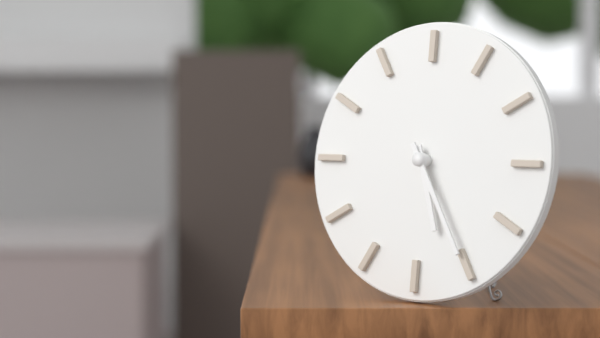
5h25
